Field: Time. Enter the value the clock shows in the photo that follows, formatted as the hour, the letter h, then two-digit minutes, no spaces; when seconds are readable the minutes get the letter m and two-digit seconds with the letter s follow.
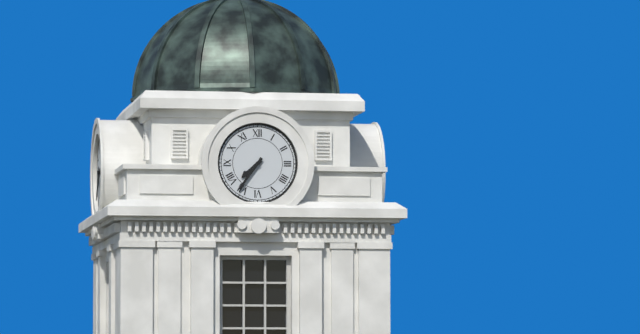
7h36
